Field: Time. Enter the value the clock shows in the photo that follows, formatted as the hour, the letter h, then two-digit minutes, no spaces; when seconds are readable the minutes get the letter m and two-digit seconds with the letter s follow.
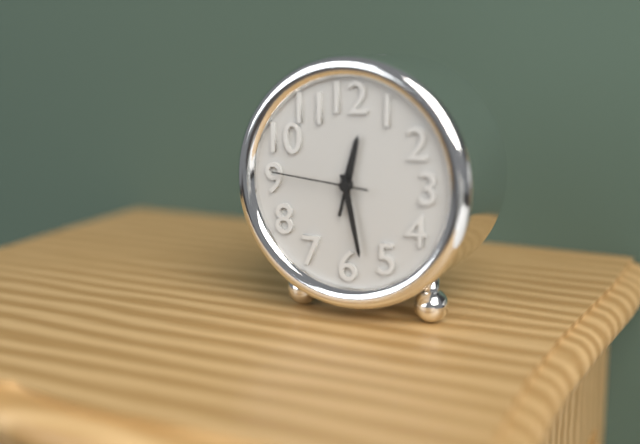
12h28m46s
